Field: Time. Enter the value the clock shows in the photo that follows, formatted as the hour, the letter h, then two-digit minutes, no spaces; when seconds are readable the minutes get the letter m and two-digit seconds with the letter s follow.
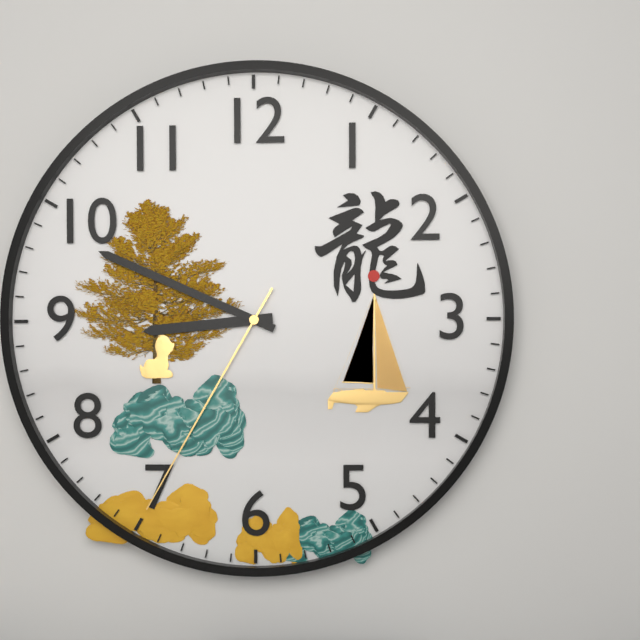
8h49m35s
